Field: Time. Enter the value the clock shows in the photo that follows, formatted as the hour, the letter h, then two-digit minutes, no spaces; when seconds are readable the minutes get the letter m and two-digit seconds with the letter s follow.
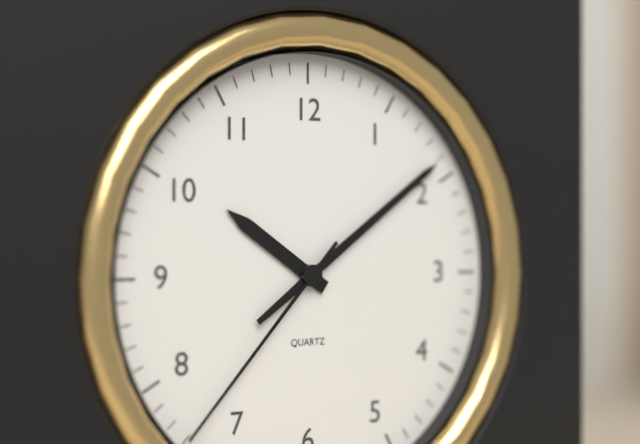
10h09m37s
